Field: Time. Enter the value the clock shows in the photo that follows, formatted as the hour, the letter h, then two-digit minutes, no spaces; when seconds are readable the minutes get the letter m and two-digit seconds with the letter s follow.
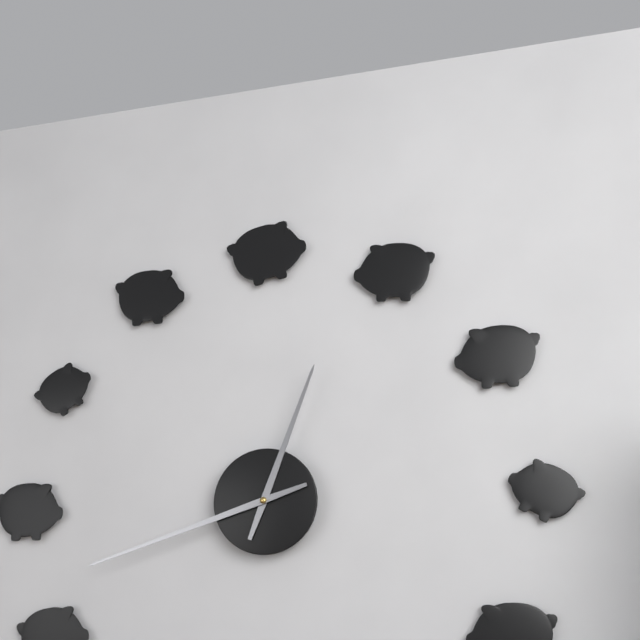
12h42
